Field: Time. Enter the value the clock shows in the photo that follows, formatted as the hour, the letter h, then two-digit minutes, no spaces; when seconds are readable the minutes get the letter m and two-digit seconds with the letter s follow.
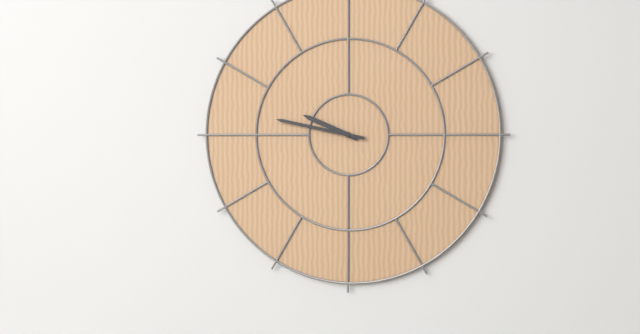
9h47
